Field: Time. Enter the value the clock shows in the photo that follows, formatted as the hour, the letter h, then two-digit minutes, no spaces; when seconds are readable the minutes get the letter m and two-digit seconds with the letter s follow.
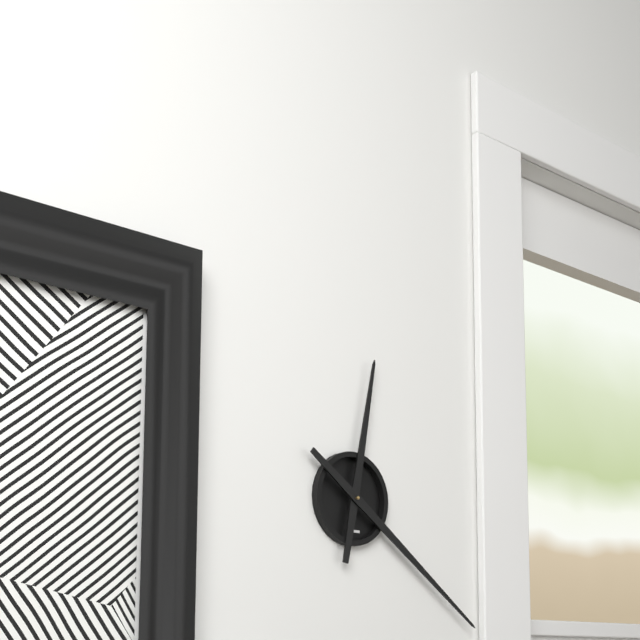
12h21
